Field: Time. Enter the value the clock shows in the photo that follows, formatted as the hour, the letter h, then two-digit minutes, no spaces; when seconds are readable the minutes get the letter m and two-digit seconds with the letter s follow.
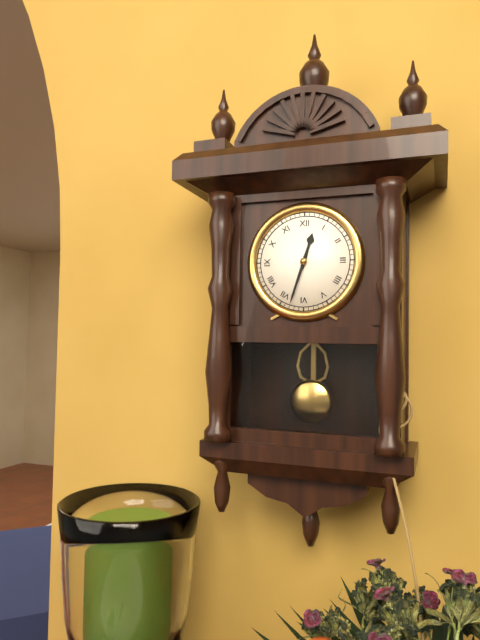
12h33
